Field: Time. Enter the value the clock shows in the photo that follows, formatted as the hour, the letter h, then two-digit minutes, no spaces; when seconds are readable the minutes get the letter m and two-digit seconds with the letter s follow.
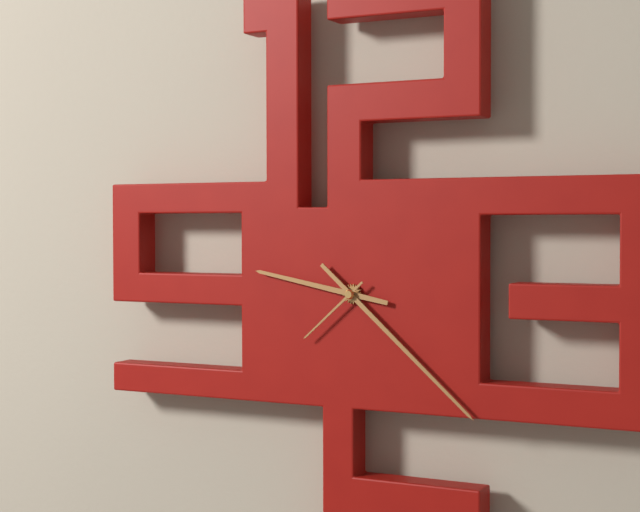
9h22m38s
